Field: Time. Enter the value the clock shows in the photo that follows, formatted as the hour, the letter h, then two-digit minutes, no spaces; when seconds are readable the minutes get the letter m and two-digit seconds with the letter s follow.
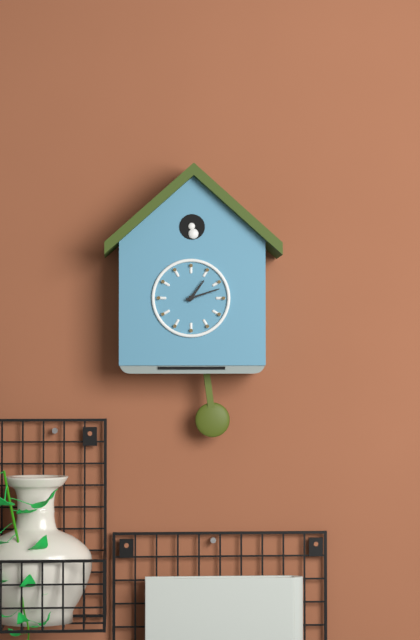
1h12
